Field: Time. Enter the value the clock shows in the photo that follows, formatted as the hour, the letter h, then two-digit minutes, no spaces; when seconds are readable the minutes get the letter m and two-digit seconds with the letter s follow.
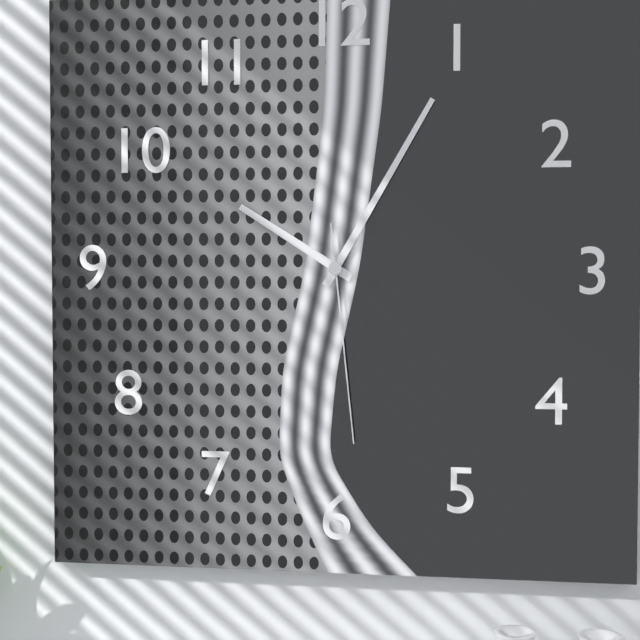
10h05m29s
